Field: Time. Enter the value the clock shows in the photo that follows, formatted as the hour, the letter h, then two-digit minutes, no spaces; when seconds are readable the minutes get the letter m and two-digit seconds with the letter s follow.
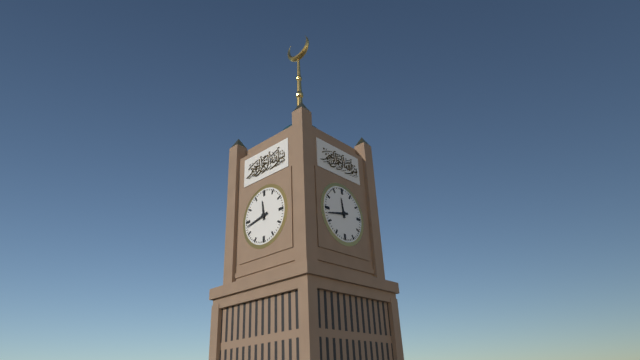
11h43
